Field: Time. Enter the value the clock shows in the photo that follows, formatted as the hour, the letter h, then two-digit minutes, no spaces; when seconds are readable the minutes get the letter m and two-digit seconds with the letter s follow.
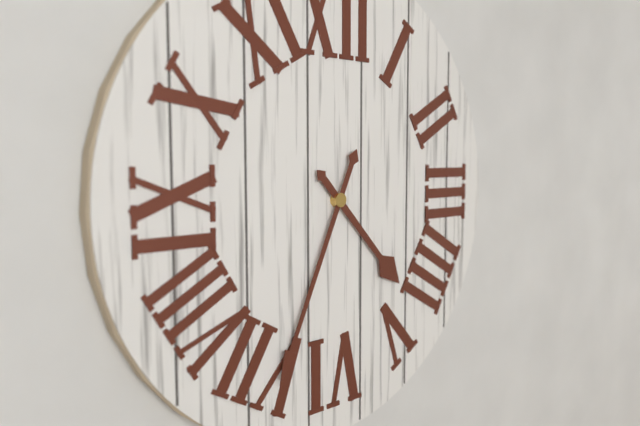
4h34
